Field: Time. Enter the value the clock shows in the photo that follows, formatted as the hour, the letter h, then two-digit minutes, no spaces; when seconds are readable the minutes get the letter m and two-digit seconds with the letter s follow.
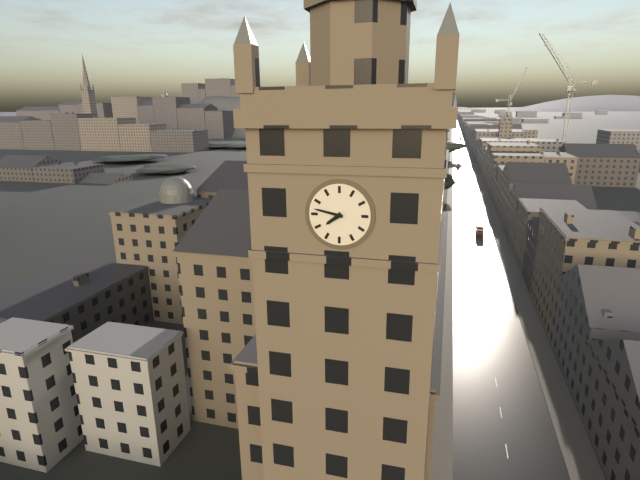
7h47
